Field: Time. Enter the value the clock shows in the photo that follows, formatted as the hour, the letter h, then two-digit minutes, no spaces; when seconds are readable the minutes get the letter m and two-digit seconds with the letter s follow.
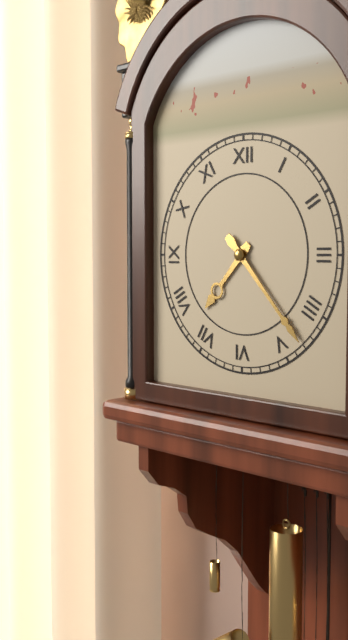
7h23
